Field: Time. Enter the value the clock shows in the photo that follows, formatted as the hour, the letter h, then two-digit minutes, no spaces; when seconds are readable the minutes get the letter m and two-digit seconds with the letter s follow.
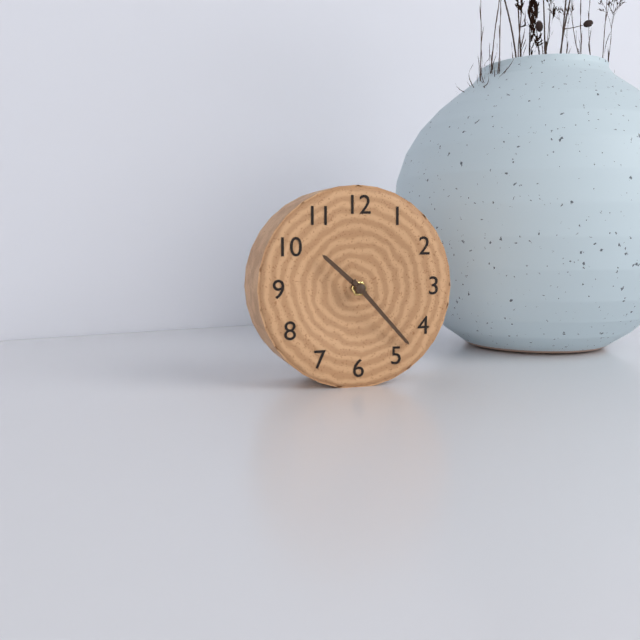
10h23
